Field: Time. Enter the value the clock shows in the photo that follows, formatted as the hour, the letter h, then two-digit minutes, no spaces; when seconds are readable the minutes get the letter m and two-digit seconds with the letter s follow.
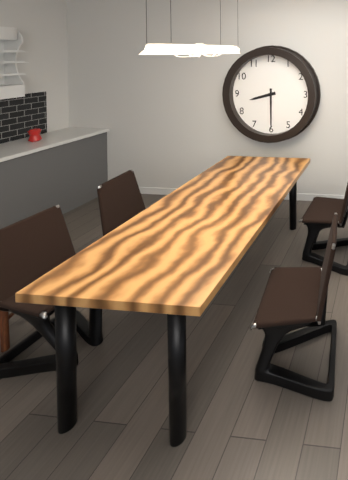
8h30
